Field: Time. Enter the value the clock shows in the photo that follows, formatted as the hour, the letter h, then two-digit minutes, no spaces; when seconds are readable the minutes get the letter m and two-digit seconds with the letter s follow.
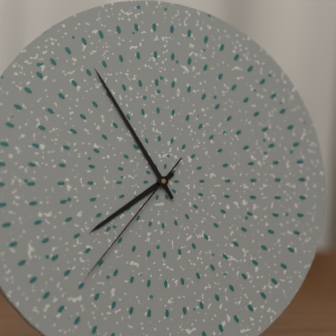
7h55m37s
